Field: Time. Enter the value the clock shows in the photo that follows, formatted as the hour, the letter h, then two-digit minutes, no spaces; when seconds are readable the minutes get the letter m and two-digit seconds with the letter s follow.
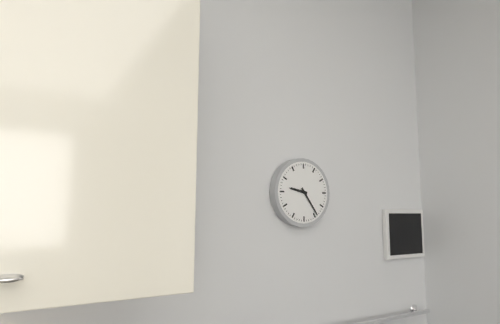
9h24
